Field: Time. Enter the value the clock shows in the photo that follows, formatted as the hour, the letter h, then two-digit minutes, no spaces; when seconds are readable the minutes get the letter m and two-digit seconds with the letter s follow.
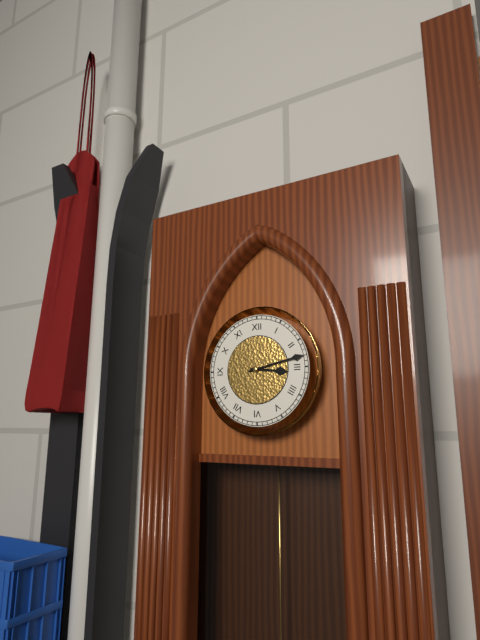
3h13
